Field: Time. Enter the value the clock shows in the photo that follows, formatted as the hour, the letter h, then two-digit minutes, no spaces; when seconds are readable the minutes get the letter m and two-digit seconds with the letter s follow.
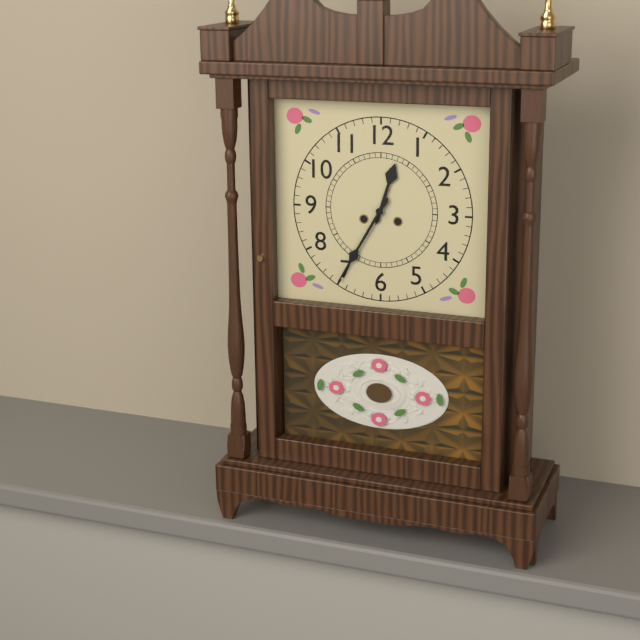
12h35
